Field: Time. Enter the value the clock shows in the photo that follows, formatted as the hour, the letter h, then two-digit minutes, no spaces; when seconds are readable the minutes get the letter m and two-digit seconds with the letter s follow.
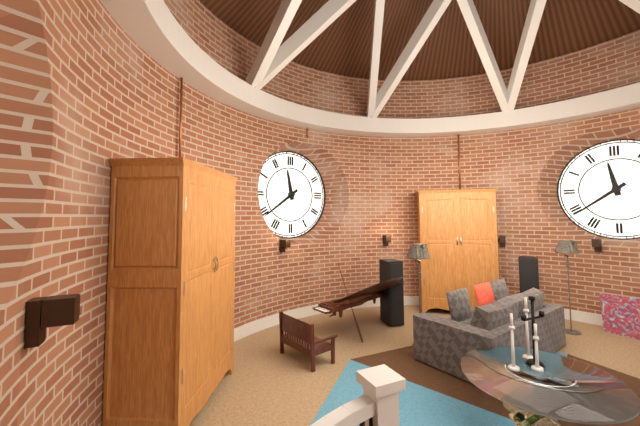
11h39
